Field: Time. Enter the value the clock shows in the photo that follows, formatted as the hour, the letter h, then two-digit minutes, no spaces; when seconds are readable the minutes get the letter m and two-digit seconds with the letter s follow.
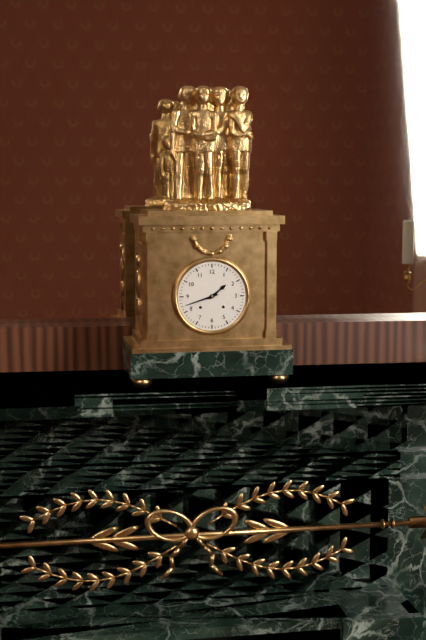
1h42
